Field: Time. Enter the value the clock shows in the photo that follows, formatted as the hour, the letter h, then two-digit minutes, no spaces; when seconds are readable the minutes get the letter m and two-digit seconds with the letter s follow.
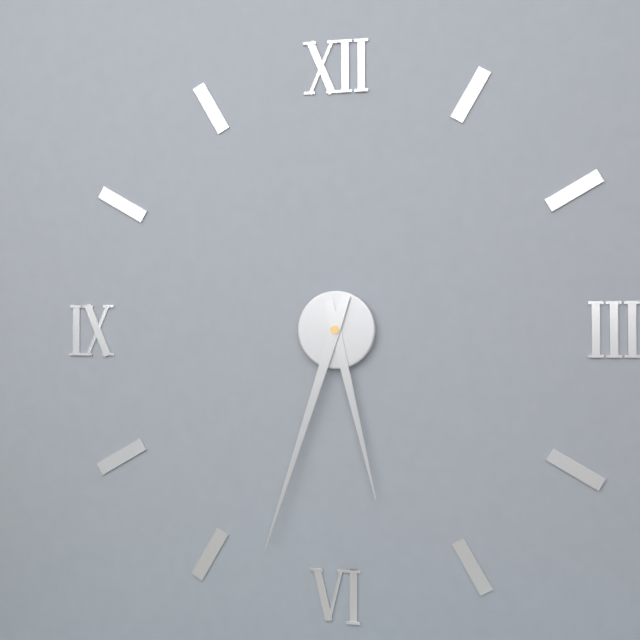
5h33
